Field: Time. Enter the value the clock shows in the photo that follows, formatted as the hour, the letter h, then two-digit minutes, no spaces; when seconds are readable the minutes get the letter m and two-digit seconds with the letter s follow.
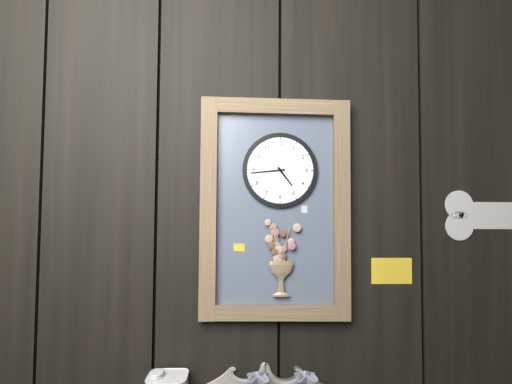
4h44
